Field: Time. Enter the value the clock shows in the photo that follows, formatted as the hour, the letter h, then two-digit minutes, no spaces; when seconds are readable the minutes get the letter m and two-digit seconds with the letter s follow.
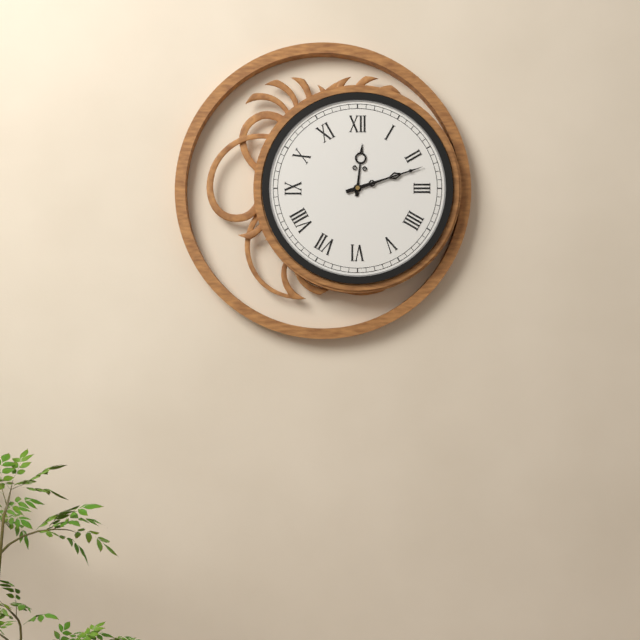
12h12
